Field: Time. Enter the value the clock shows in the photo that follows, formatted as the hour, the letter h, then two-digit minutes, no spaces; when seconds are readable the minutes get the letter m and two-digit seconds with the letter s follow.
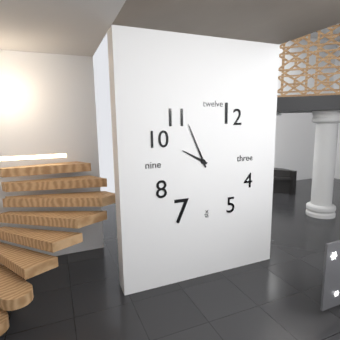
9h56
